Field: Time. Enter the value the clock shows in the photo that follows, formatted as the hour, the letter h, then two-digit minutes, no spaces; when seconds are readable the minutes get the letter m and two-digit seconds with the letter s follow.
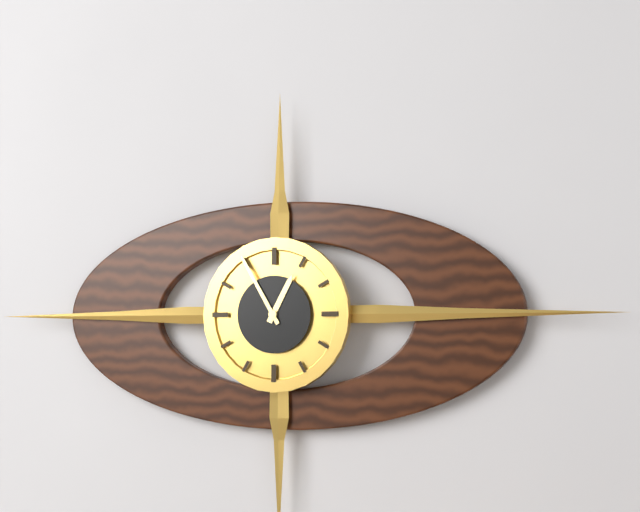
12h55
